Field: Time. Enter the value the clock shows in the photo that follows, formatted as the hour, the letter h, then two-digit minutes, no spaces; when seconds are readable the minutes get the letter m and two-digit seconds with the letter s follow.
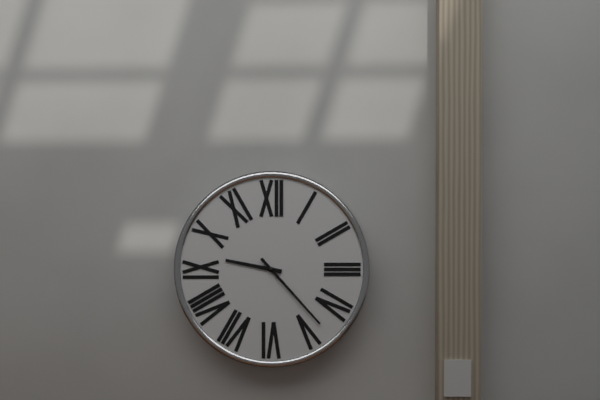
9h23
